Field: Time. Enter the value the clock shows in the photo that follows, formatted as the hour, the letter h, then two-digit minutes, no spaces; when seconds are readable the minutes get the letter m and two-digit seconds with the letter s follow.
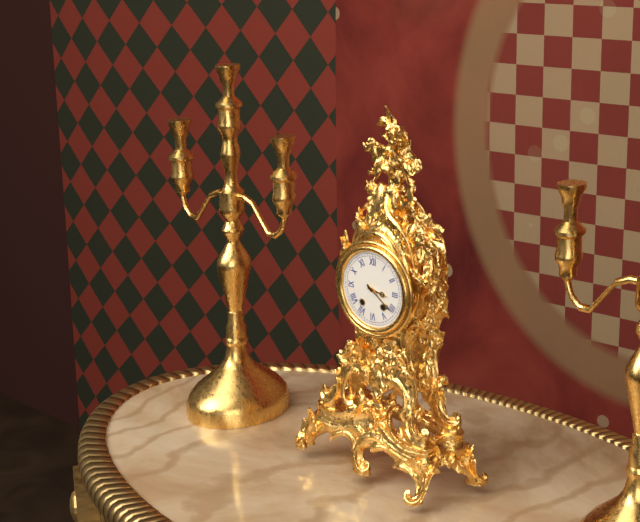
3h21
